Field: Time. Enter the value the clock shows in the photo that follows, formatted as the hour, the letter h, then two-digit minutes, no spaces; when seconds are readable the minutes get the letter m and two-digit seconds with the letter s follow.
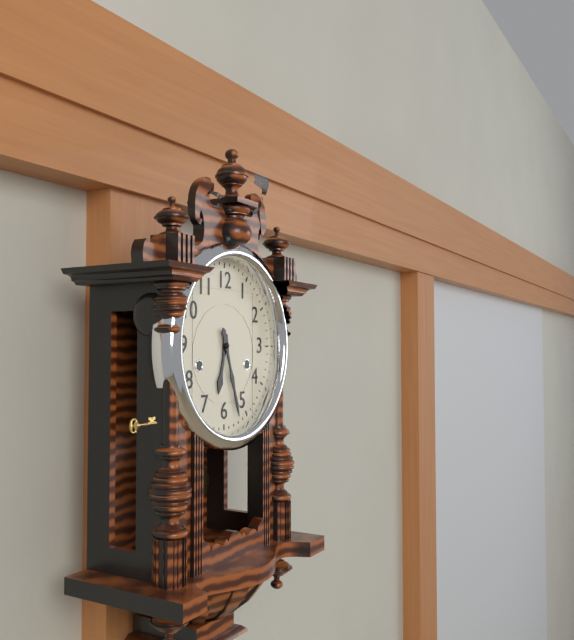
6h27
